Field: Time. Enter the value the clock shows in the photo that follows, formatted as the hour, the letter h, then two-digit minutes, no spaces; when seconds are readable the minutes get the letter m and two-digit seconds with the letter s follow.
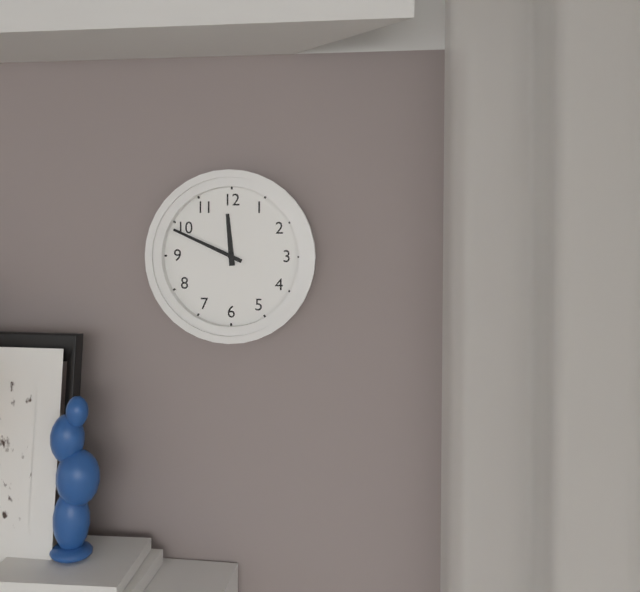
11h49
